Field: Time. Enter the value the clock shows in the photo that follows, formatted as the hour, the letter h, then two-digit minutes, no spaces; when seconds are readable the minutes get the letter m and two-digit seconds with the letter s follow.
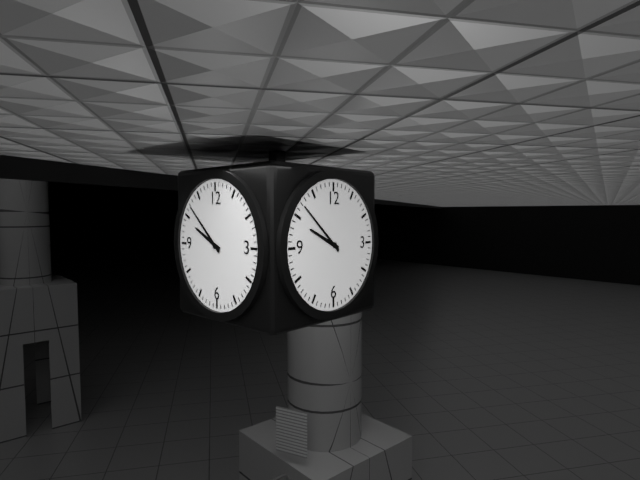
9h52
